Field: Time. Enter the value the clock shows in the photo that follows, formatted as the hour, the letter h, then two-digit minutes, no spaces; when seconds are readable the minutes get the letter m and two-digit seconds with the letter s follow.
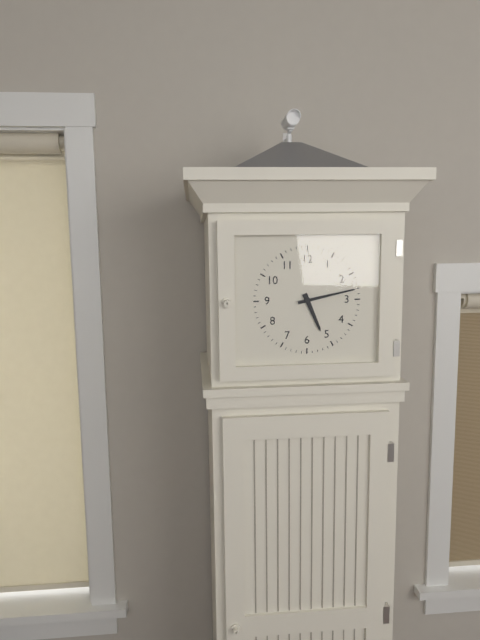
5h13
